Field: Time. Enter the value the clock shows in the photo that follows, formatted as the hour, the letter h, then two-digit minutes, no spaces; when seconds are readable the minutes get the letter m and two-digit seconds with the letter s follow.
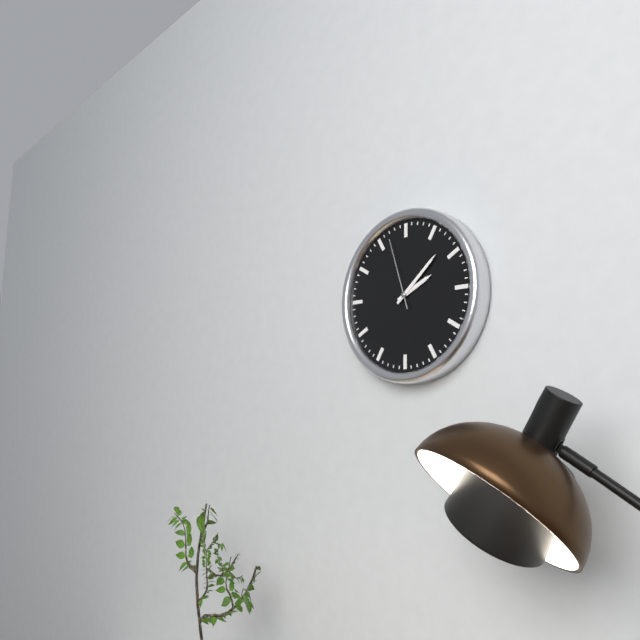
2h08m57s
